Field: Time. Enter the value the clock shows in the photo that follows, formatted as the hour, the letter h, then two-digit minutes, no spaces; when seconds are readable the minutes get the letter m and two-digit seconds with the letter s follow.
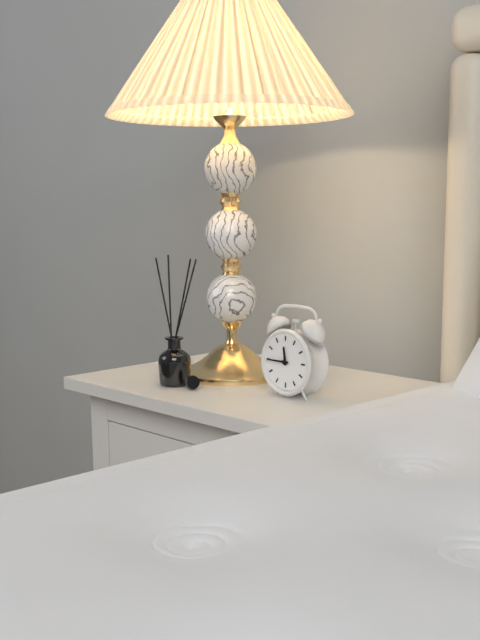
11h45
